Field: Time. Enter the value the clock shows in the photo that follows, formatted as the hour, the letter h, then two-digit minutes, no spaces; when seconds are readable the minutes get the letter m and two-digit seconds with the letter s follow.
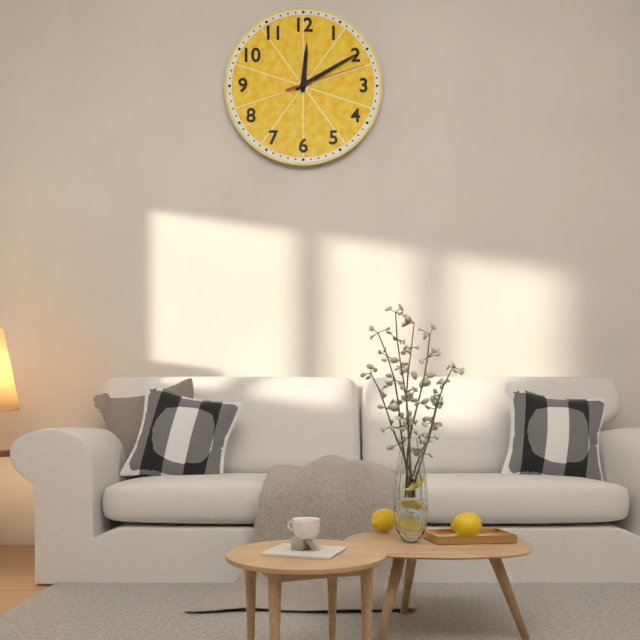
12h10m12s
